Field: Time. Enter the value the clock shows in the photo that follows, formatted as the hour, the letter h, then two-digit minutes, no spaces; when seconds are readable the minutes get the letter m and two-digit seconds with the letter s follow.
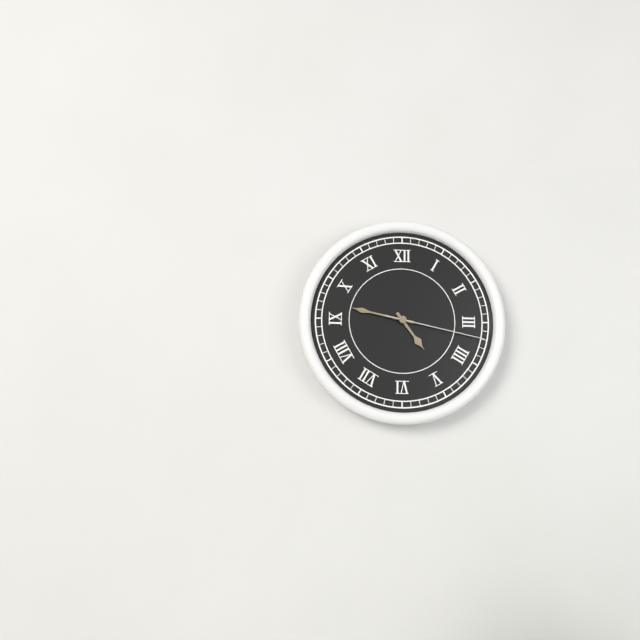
4h47m17s
